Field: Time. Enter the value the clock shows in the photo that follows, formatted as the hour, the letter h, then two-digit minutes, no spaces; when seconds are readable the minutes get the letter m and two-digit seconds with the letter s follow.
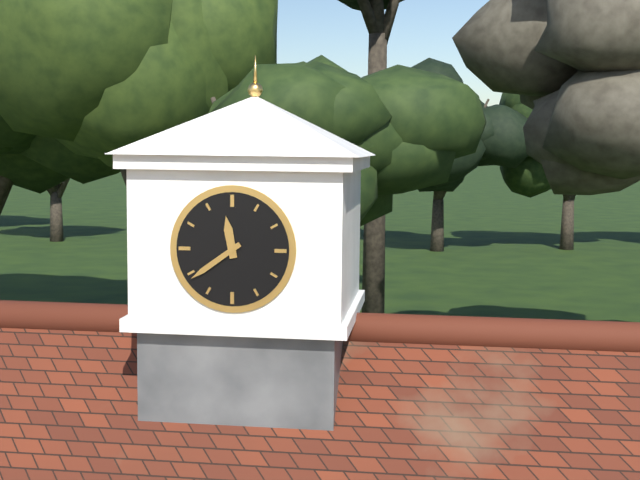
11h39
